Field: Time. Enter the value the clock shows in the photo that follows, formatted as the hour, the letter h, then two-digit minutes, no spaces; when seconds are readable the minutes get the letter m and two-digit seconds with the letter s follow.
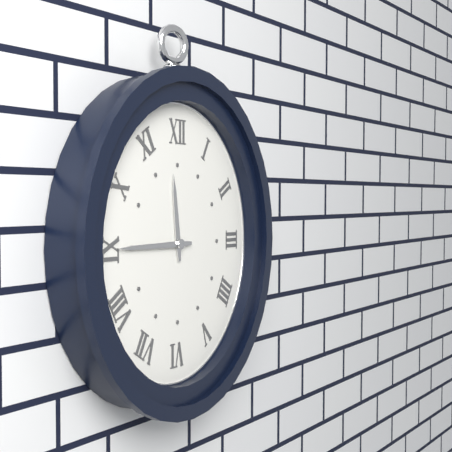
11h45
